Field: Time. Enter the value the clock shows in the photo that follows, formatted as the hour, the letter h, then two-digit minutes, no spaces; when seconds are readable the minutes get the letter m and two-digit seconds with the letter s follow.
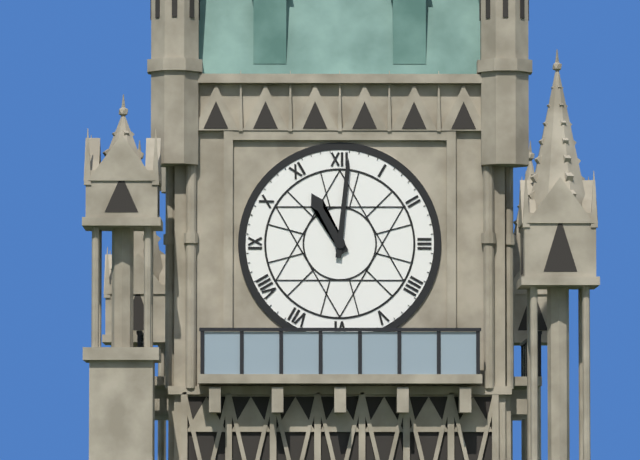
11h01
